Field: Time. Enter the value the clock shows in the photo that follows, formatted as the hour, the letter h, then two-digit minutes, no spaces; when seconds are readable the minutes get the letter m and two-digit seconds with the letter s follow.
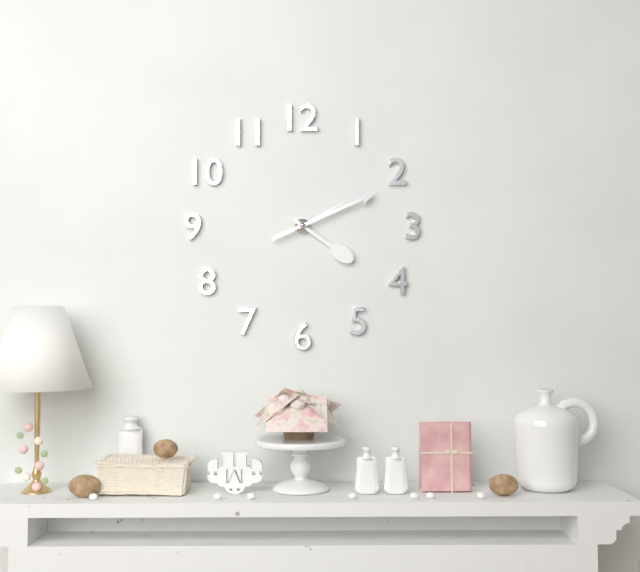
4h11m10s
